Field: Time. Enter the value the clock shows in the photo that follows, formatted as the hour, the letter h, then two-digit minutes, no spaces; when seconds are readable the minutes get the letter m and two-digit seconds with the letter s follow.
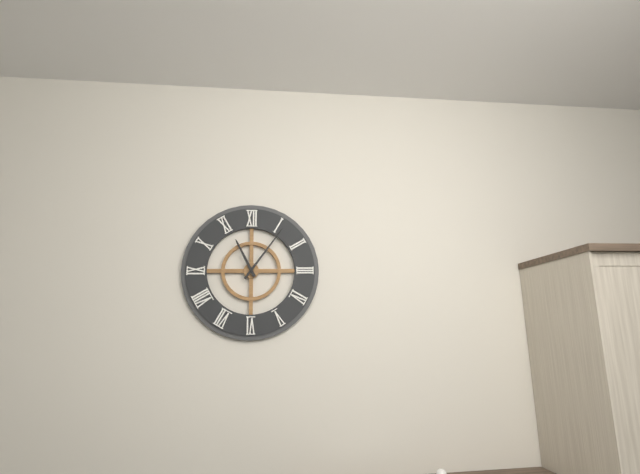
11h06
